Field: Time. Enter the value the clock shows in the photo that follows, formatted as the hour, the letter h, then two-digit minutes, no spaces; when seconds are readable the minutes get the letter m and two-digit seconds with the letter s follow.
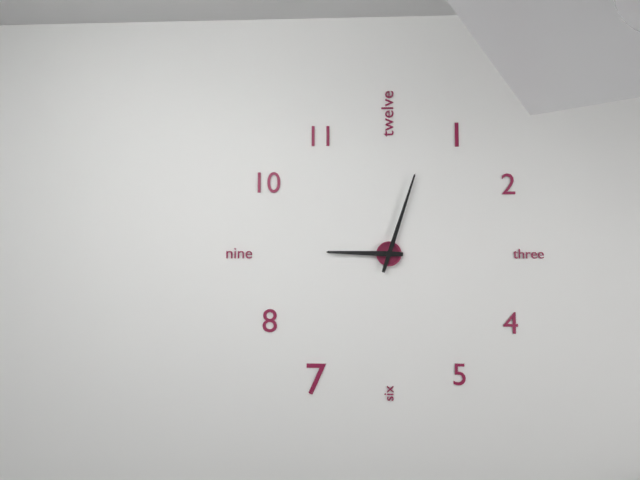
9h03
